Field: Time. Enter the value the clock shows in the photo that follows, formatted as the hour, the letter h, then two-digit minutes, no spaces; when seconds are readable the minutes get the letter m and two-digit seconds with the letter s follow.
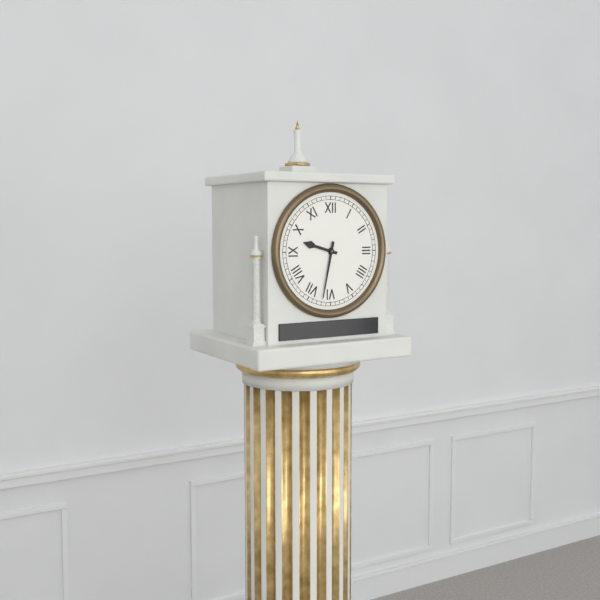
9h32
